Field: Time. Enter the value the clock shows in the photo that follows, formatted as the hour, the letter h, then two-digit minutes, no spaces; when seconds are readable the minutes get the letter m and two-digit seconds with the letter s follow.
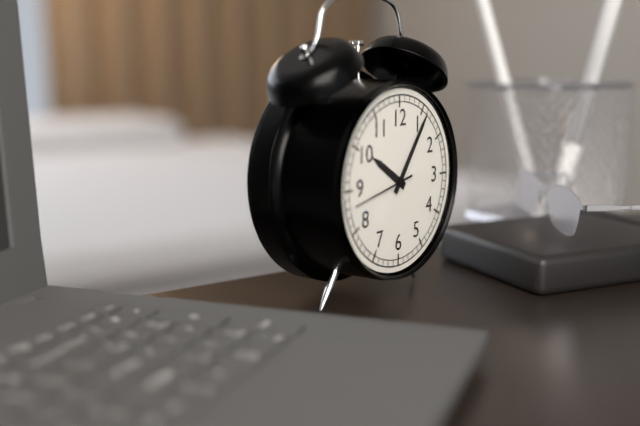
10h06
